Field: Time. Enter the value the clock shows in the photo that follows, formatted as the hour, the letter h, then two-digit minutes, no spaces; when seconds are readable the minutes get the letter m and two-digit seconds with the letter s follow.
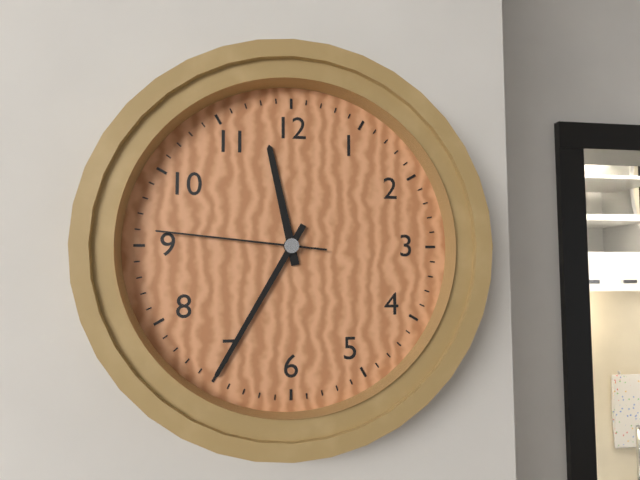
11h35m46s
